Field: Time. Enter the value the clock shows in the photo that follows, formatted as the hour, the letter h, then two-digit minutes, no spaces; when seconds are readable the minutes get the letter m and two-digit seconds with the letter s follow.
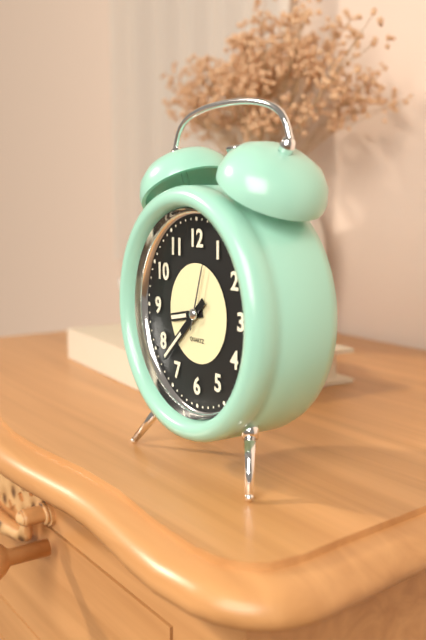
8h38m03s
